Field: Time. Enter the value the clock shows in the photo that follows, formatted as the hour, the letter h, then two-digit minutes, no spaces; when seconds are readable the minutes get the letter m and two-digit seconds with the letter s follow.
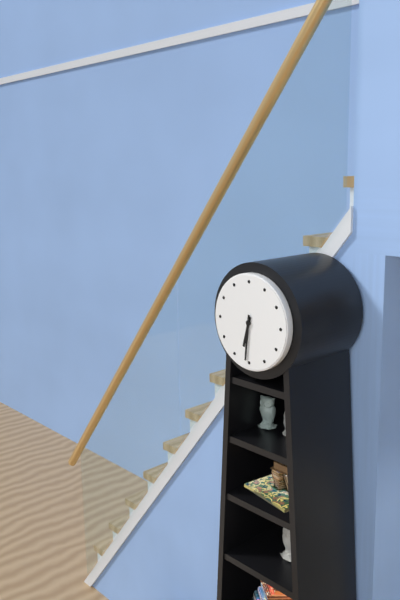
6h31
